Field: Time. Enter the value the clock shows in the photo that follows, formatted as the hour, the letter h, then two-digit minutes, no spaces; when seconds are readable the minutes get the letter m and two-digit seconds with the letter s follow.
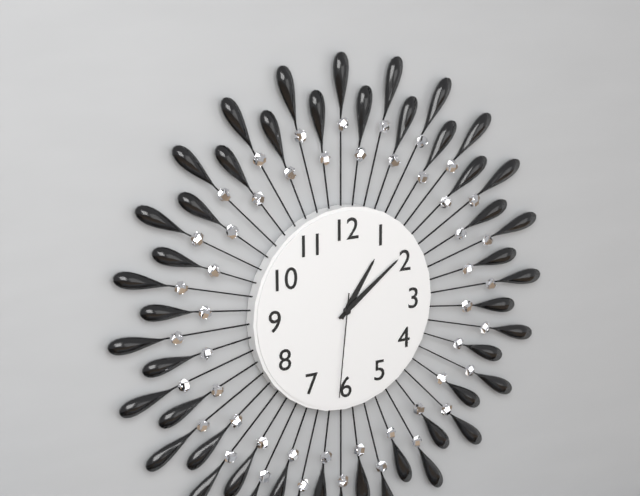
1h09m31s
